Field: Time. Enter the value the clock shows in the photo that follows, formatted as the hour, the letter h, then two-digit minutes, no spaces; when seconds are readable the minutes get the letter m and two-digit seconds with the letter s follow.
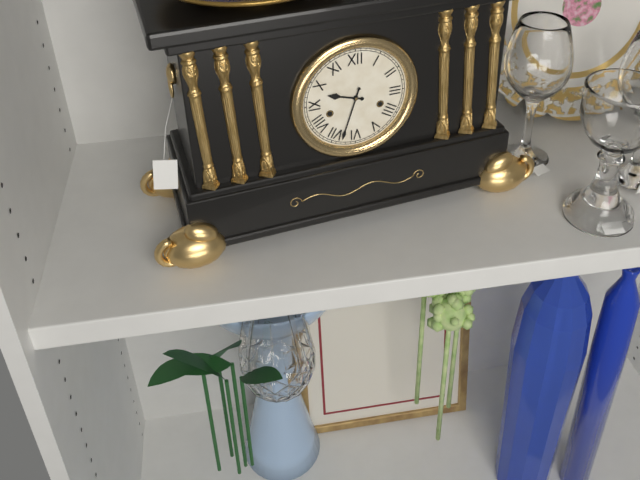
9h33
